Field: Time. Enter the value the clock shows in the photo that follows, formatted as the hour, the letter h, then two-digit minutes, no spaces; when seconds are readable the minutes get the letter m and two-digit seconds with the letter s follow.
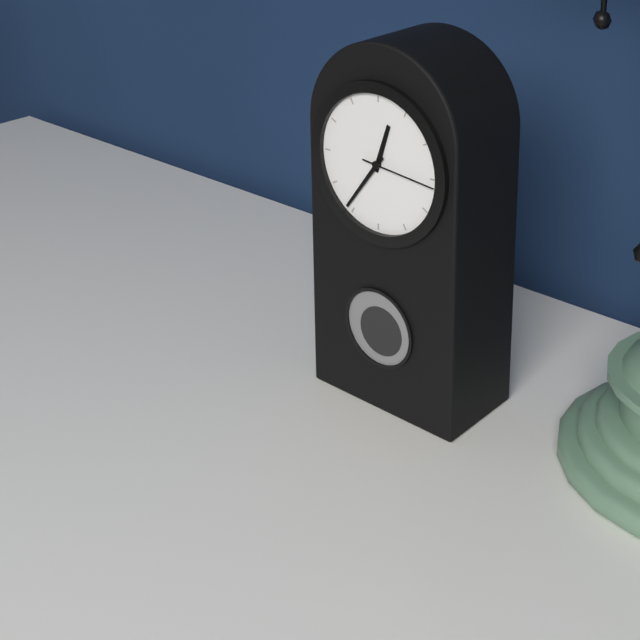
12h36m16s
